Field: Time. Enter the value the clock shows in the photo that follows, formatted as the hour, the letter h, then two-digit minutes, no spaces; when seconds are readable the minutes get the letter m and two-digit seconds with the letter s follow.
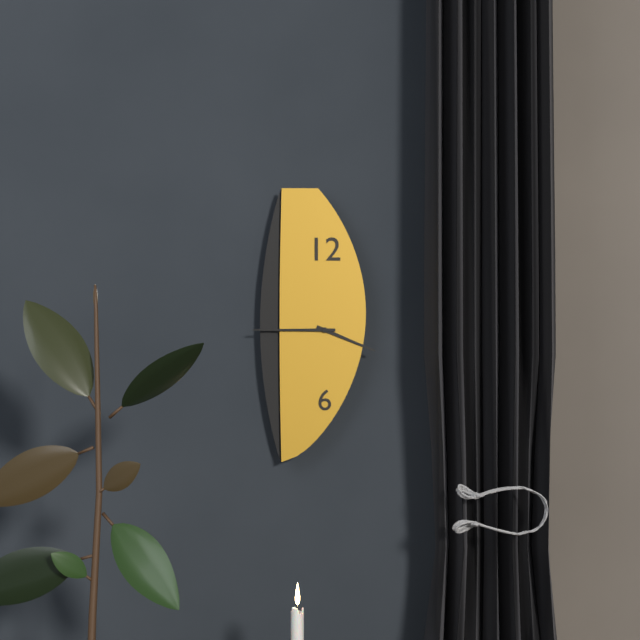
3h45
